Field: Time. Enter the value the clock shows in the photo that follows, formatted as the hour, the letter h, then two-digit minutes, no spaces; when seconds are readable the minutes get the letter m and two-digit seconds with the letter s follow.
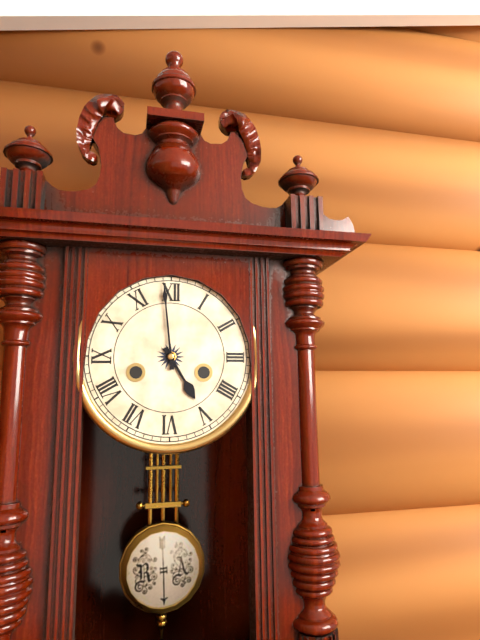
4h59
